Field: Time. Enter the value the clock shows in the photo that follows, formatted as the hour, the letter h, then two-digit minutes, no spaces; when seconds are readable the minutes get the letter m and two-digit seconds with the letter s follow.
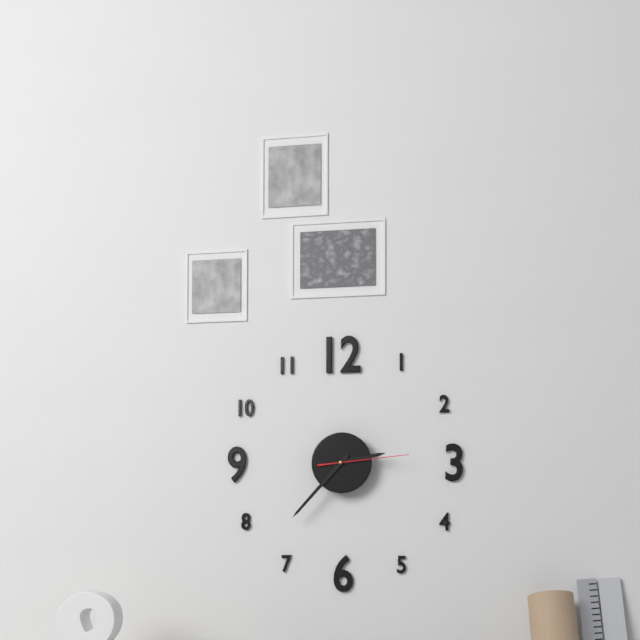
2h37m14s
